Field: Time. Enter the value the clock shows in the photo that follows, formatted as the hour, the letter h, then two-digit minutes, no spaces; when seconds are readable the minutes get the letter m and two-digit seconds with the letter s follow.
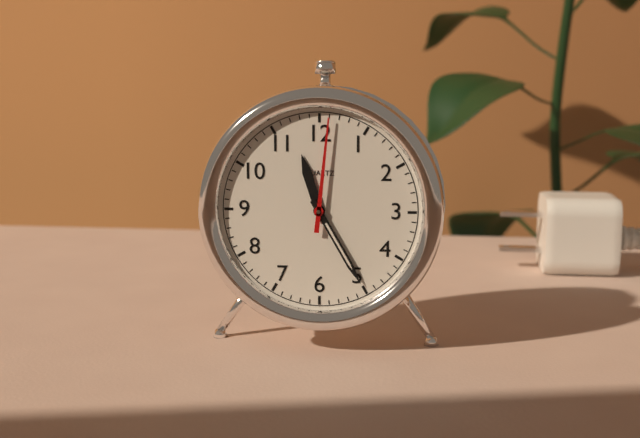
11h25m01s
